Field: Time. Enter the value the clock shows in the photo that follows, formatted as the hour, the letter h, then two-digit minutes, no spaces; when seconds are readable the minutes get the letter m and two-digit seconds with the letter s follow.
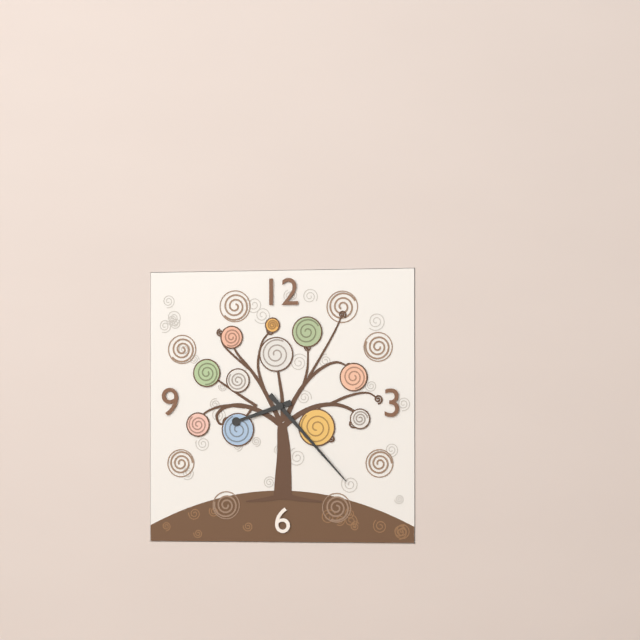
8h23
